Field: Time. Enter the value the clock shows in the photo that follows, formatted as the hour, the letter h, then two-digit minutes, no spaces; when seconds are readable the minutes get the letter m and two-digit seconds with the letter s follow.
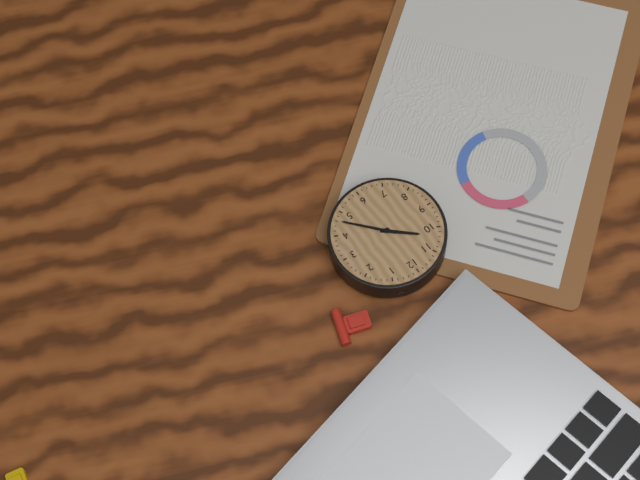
10h23
